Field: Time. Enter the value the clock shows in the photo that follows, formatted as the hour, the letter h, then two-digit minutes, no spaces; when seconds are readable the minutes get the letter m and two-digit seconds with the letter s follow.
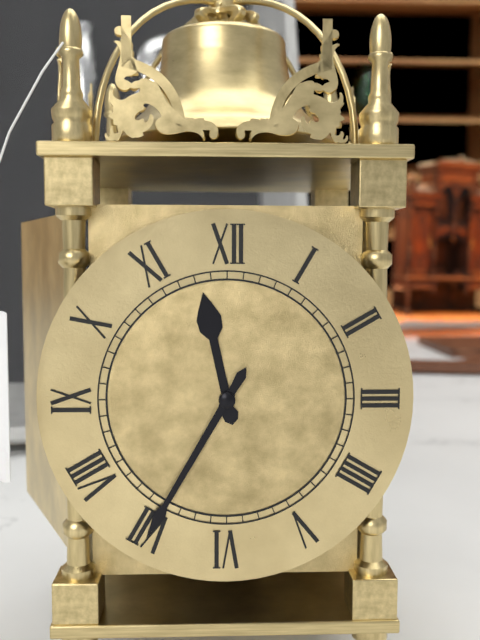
11h35
